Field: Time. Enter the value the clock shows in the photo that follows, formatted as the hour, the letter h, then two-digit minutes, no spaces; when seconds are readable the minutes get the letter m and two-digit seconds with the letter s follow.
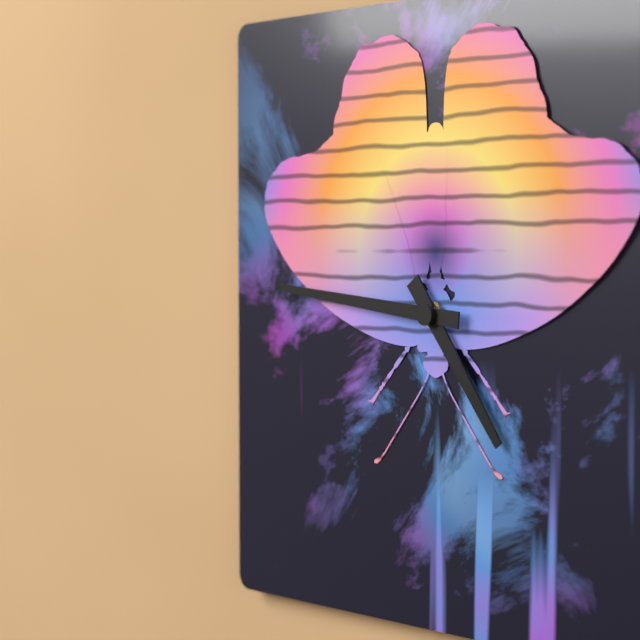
4h46
